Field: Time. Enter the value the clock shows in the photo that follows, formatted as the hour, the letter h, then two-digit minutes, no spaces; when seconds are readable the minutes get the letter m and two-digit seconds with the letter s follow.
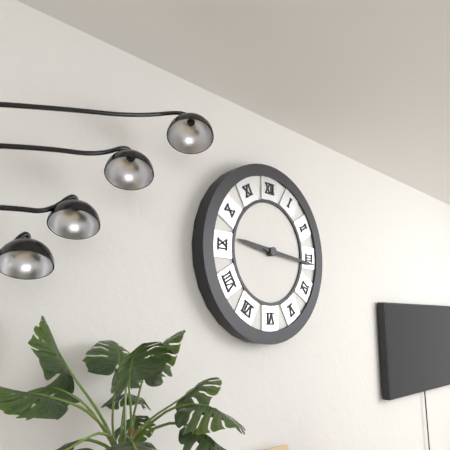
9h16
